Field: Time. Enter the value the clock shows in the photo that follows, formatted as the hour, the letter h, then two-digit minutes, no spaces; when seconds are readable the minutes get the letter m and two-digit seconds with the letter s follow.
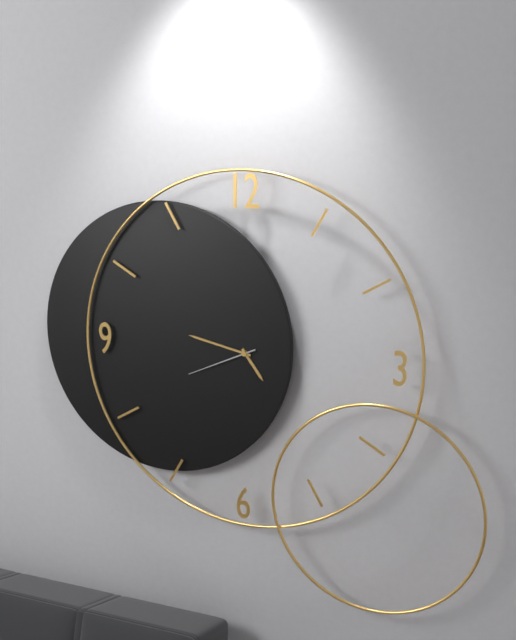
4h47m41s
